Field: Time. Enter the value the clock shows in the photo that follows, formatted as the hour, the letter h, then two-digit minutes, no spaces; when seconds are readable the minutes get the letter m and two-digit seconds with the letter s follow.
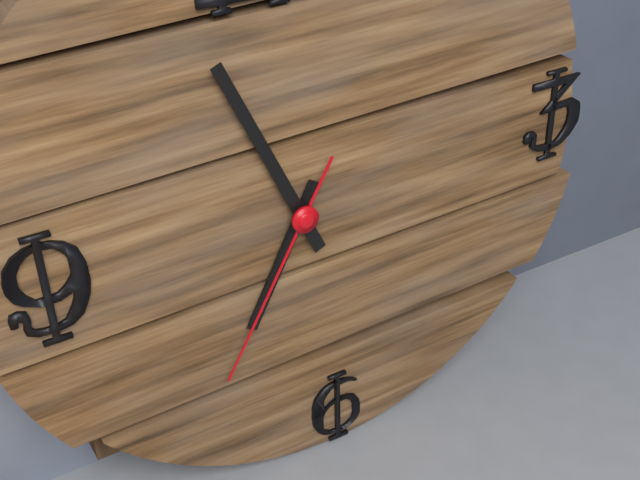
6h56m35s
